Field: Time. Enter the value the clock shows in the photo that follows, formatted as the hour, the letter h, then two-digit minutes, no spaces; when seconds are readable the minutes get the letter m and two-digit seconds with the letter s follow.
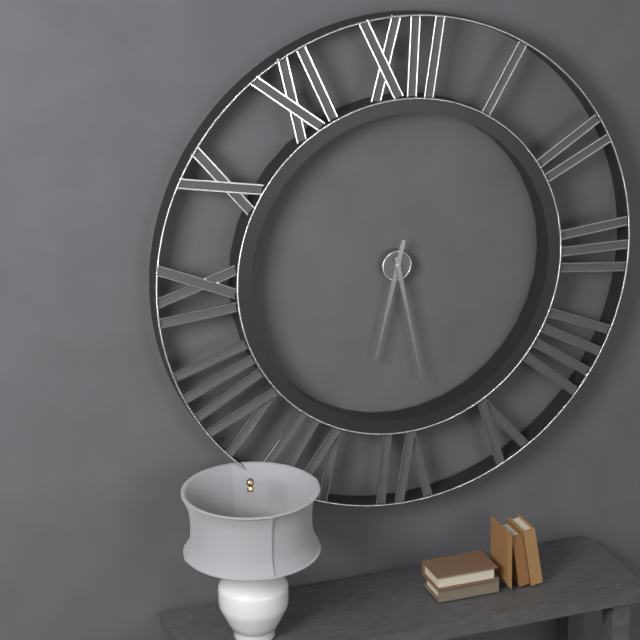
6h28
